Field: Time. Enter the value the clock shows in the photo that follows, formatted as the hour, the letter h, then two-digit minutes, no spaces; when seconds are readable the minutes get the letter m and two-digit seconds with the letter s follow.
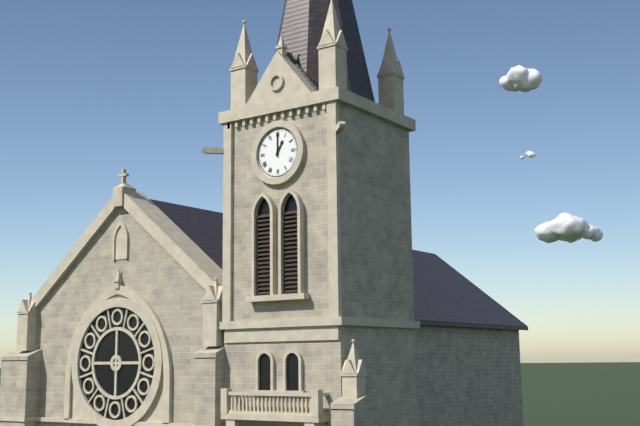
1h00
